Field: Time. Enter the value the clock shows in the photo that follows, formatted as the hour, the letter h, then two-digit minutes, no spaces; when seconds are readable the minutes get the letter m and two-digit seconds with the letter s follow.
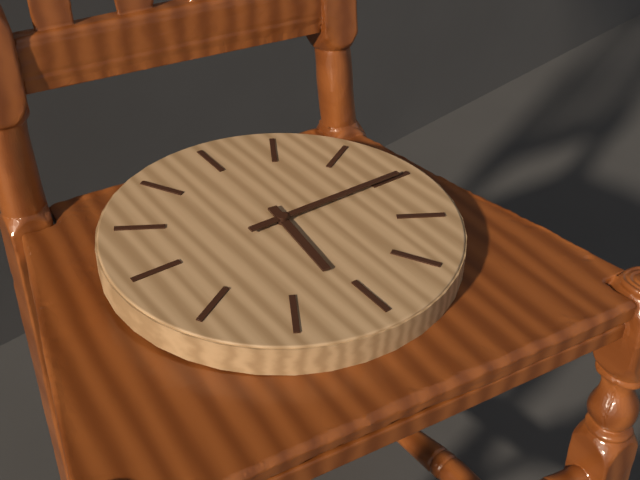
6h15
